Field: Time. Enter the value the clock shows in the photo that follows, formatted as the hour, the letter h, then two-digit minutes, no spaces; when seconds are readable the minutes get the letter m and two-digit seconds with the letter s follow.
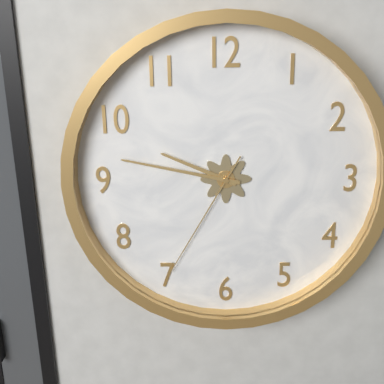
9h47m35s
